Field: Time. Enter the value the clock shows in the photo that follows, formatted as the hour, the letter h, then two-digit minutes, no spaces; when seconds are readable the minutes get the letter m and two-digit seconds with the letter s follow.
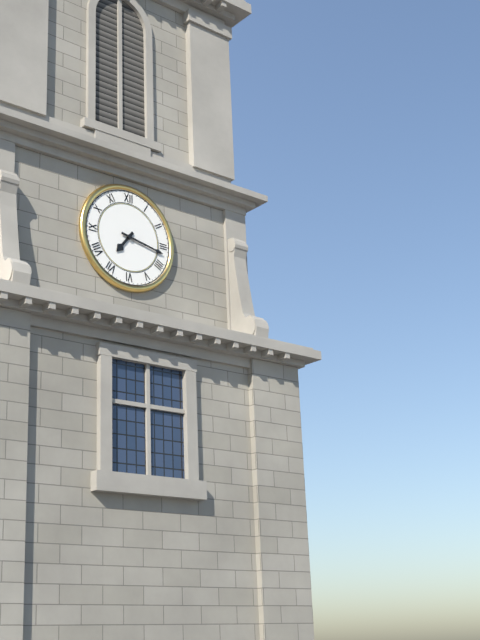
7h17
